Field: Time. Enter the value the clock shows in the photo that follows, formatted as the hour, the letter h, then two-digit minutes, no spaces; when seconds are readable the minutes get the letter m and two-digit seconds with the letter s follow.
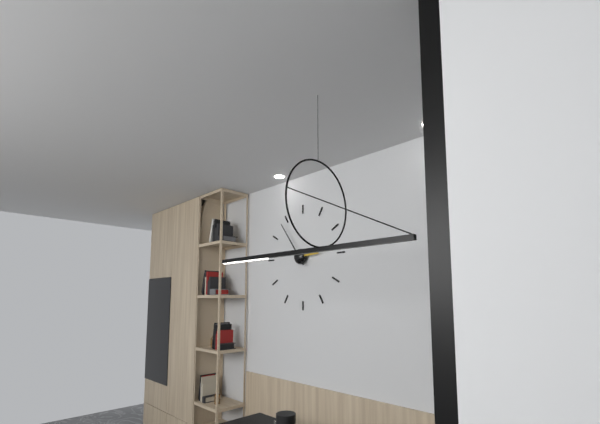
2h54
